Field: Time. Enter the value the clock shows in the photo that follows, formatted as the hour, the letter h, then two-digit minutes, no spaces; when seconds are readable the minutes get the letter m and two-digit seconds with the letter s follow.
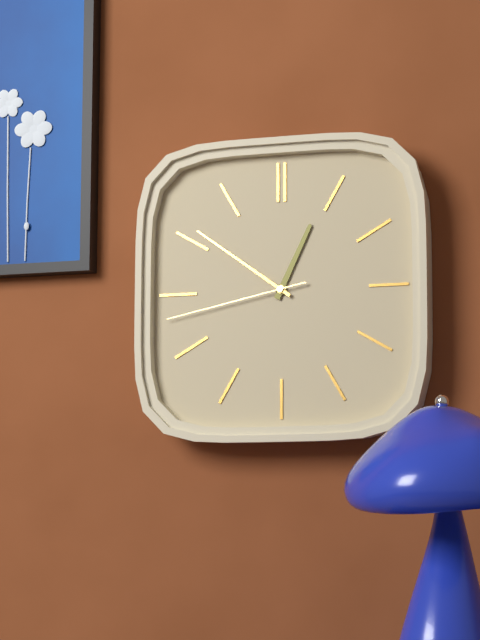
12h51m43s
